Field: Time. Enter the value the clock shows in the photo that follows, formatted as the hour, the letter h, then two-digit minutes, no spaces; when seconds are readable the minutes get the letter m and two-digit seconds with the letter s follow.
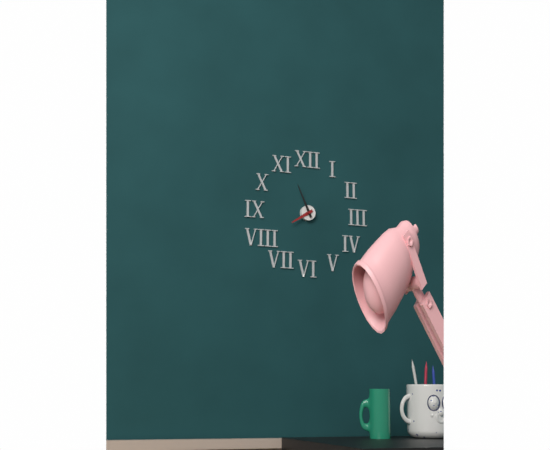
7h56
